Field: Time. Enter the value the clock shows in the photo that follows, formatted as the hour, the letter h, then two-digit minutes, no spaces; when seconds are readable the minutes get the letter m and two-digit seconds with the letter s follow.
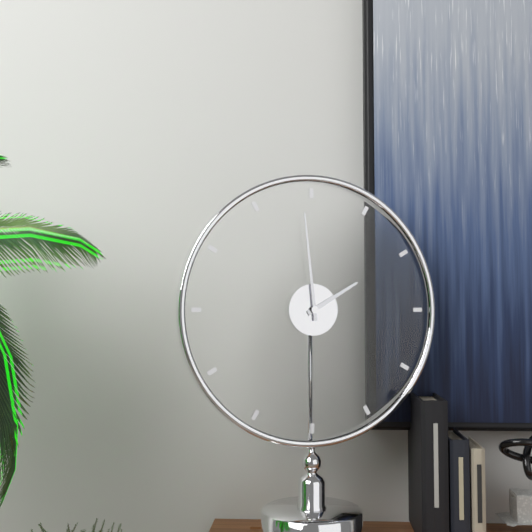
1h59
